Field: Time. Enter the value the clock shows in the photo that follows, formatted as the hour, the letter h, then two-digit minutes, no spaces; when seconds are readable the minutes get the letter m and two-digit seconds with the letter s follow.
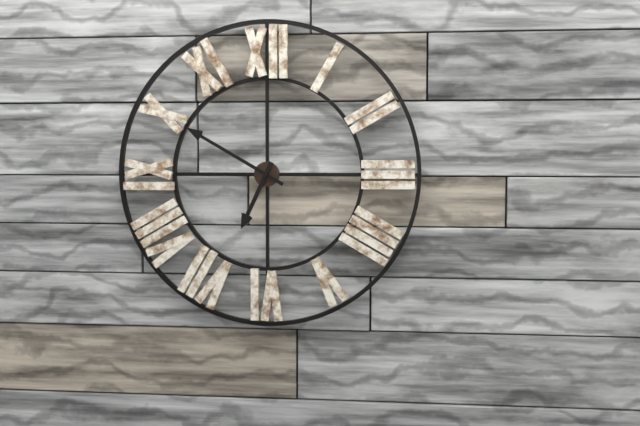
6h50
